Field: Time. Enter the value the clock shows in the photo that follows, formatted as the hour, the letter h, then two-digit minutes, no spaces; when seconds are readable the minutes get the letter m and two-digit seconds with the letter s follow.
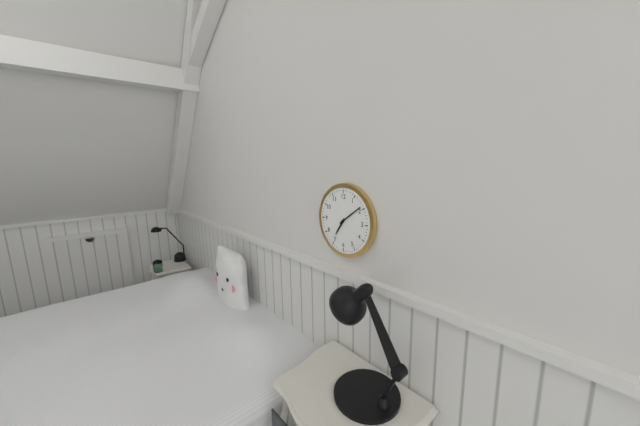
7h09
